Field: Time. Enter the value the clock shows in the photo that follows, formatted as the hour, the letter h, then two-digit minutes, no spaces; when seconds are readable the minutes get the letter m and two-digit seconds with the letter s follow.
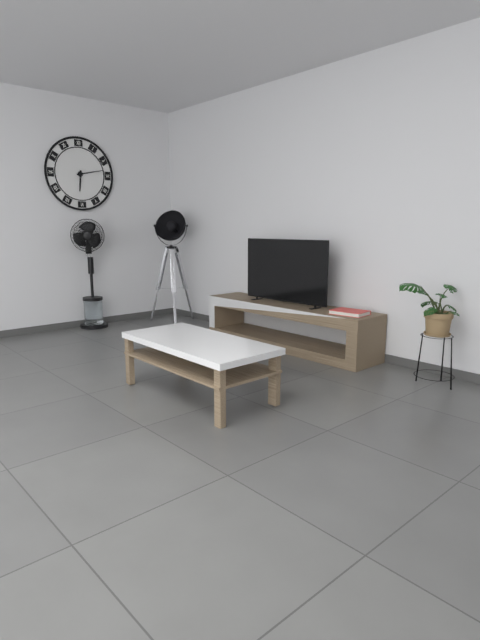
6h13
